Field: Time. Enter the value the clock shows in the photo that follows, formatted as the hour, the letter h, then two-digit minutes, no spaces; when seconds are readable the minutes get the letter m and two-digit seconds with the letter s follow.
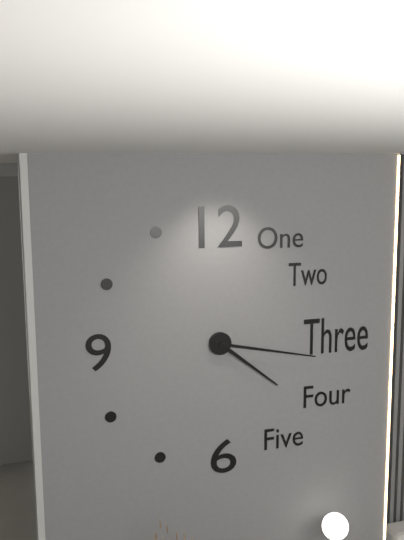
4h17
